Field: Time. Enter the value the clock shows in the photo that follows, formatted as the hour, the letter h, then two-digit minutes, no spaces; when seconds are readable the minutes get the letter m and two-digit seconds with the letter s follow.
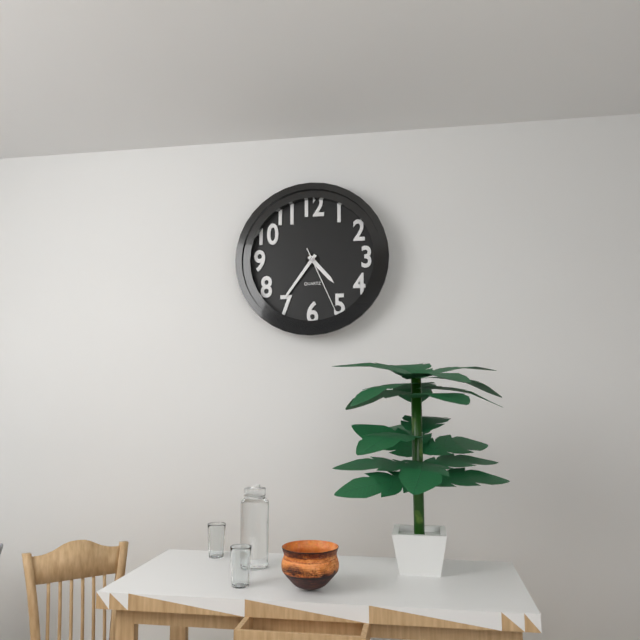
4h36m26s
